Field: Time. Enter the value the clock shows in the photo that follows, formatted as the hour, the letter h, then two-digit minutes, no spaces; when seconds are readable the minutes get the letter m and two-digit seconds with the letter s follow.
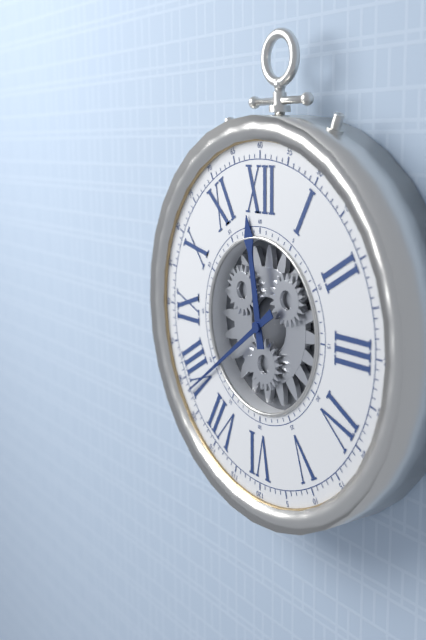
11h39
